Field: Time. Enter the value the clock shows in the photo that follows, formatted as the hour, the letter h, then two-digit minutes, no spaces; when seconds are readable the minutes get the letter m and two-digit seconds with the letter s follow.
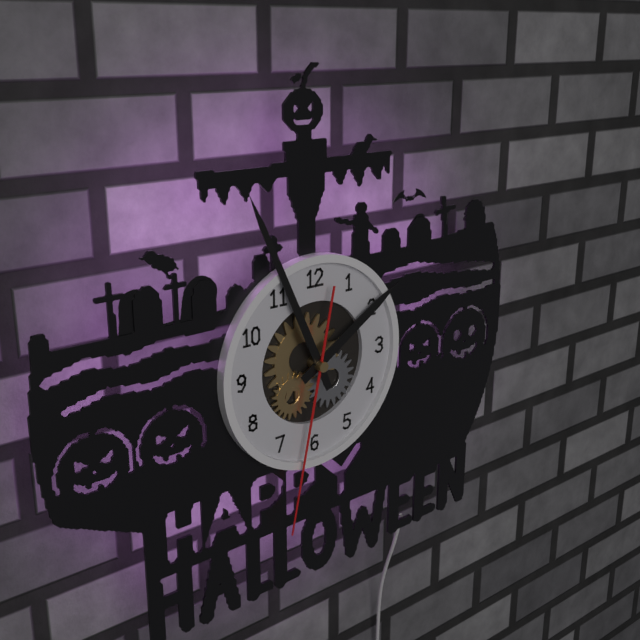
1h56m32s
